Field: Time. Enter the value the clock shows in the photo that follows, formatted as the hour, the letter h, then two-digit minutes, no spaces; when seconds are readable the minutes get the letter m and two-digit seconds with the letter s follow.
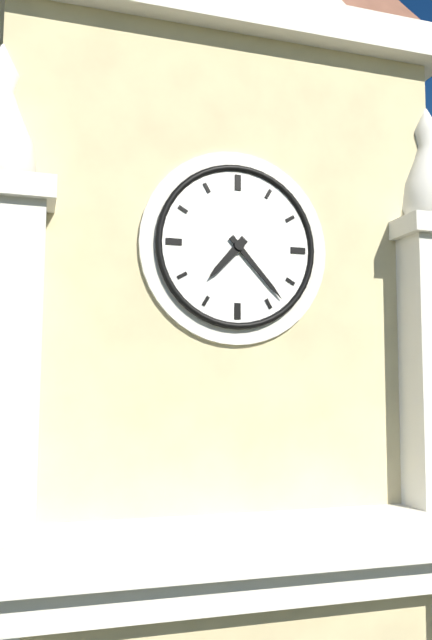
7h23
